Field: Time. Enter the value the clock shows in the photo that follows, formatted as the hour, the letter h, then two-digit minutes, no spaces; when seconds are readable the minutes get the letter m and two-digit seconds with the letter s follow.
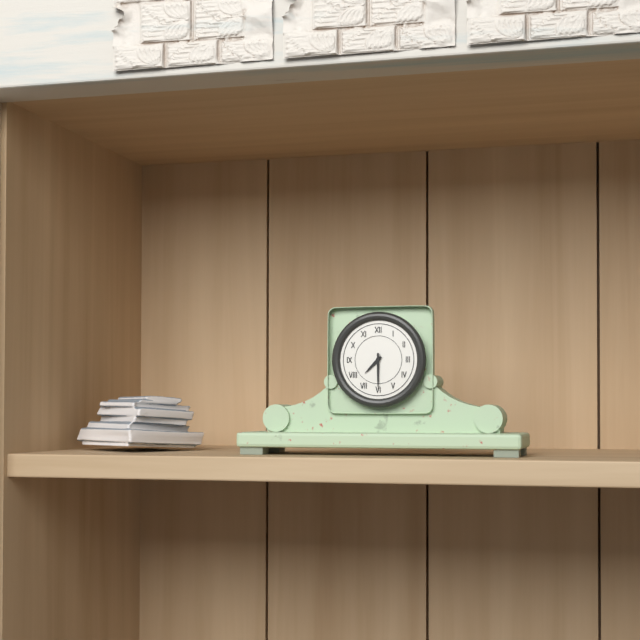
7h30
